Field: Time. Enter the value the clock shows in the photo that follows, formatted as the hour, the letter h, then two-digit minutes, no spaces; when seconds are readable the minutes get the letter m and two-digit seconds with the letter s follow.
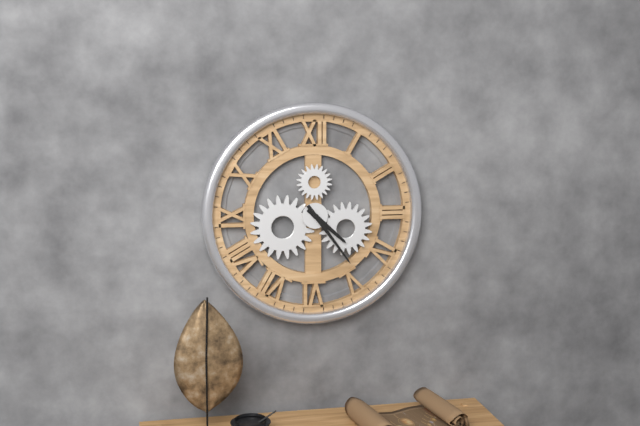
4h24
